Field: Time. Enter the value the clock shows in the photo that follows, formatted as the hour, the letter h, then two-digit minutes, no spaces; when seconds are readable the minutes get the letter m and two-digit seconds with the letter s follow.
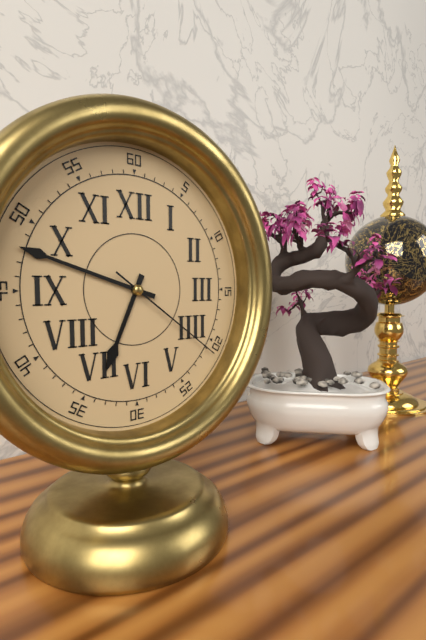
6h48m21s
